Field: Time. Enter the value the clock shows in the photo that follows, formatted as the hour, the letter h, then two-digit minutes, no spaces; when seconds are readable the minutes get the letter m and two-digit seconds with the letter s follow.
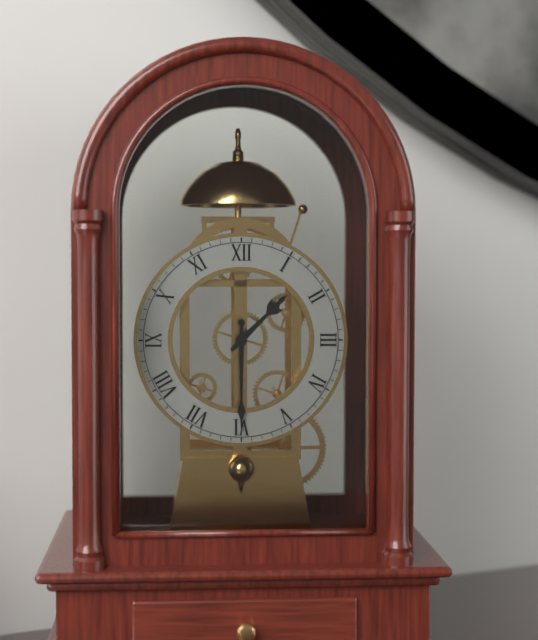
1h30
